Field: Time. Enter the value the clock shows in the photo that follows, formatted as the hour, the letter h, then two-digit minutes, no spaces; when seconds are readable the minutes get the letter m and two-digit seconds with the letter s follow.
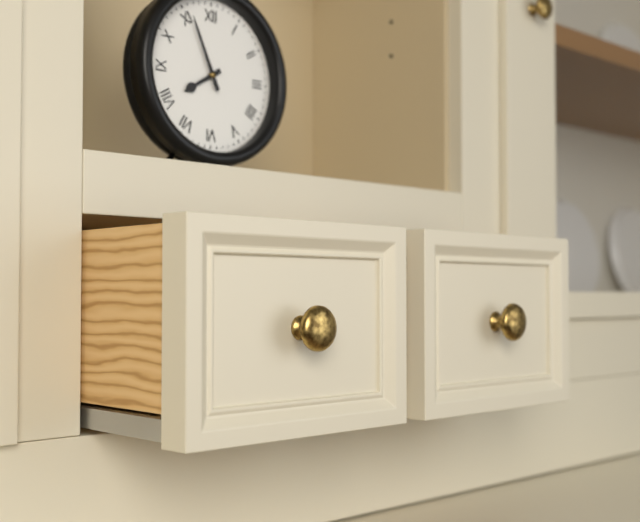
7h56
